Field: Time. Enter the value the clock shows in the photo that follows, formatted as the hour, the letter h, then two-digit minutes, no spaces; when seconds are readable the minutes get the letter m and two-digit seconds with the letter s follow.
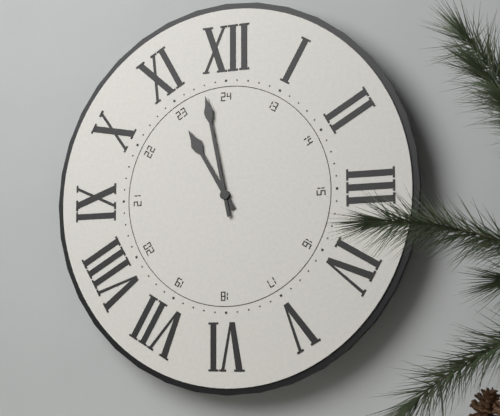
10h58
